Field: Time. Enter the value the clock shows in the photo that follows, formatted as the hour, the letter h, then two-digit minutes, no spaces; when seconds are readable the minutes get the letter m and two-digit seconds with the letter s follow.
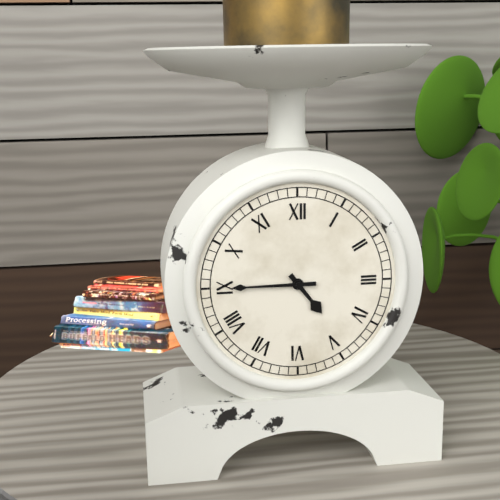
4h45
